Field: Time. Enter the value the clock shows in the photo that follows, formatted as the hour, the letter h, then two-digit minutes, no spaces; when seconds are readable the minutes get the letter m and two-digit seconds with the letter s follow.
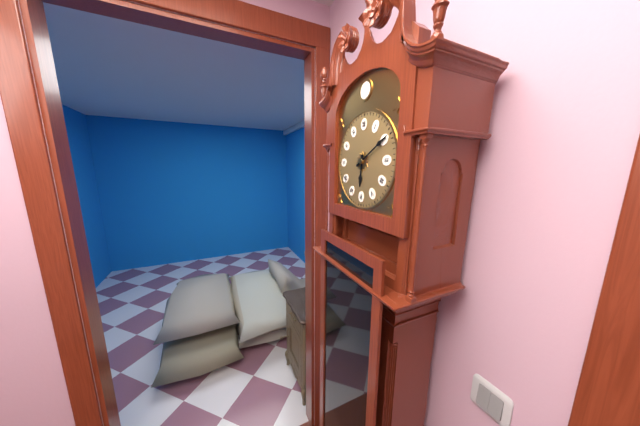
6h10
